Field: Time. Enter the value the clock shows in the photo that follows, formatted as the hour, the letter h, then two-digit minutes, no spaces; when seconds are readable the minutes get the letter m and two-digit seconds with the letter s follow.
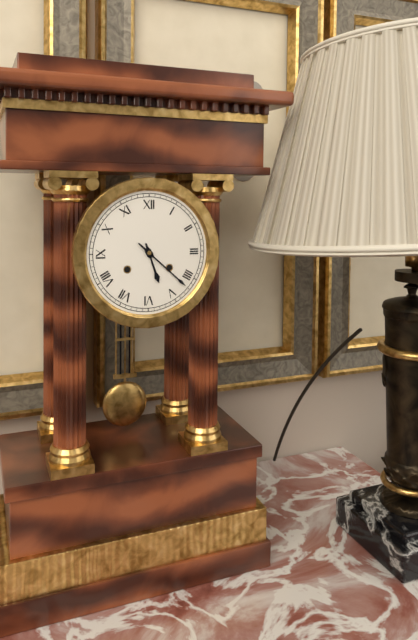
5h22
